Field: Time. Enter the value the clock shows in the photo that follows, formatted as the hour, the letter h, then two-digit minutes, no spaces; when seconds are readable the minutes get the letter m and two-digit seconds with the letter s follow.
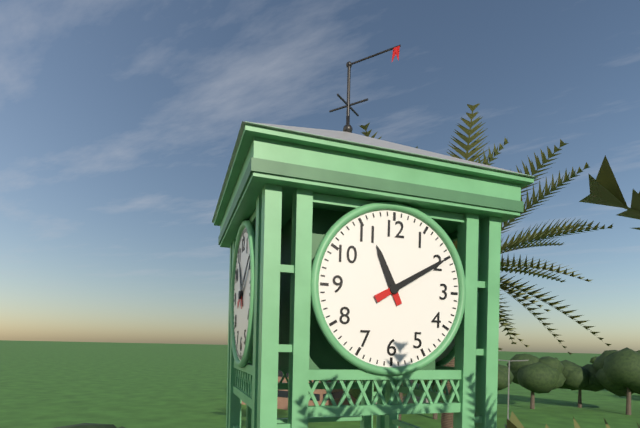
11h10
